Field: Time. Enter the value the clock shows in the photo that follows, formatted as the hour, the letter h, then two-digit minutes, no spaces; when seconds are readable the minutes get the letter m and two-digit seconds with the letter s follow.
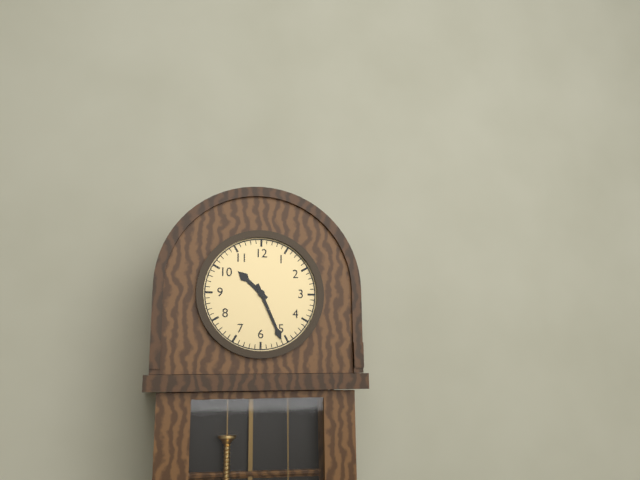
10h26
